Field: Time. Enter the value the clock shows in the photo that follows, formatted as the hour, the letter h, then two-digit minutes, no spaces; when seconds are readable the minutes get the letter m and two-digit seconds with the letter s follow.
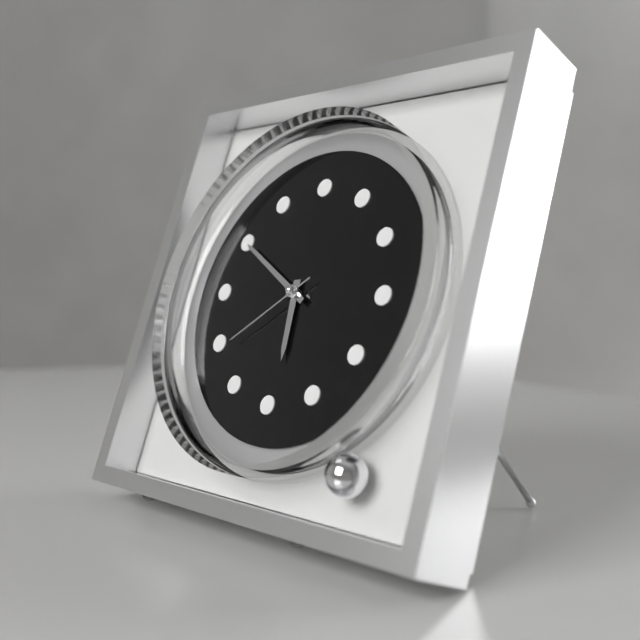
5h50m39s
